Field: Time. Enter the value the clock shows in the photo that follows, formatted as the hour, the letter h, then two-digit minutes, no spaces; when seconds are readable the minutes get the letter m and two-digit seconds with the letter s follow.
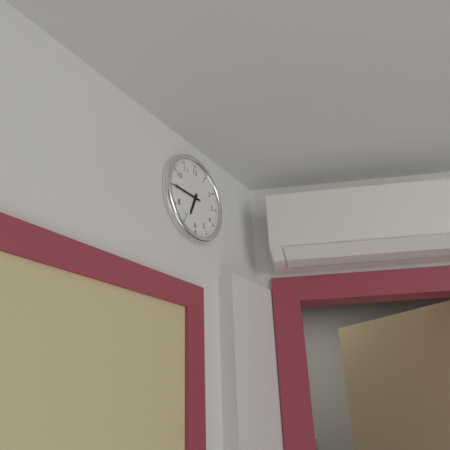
6h45
